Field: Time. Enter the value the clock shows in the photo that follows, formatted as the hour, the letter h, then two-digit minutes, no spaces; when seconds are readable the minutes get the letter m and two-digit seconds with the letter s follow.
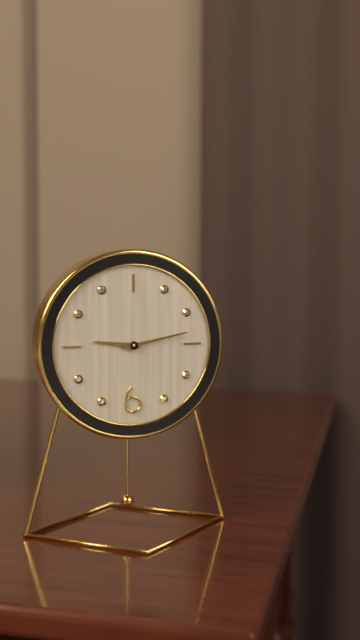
9h13
